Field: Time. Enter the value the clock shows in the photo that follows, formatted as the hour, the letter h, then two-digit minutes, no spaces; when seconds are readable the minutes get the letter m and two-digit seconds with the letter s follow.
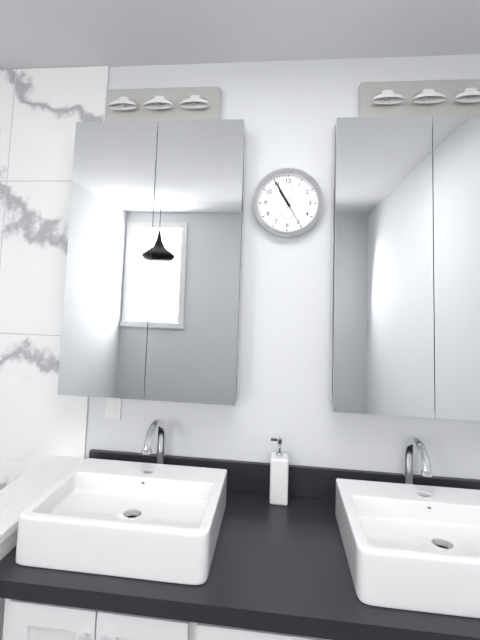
10h55
